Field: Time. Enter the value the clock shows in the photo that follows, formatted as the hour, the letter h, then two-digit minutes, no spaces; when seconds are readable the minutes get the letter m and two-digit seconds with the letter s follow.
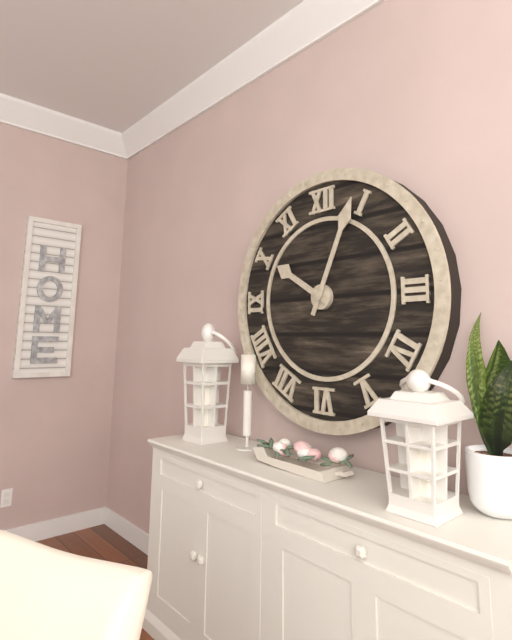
10h04
